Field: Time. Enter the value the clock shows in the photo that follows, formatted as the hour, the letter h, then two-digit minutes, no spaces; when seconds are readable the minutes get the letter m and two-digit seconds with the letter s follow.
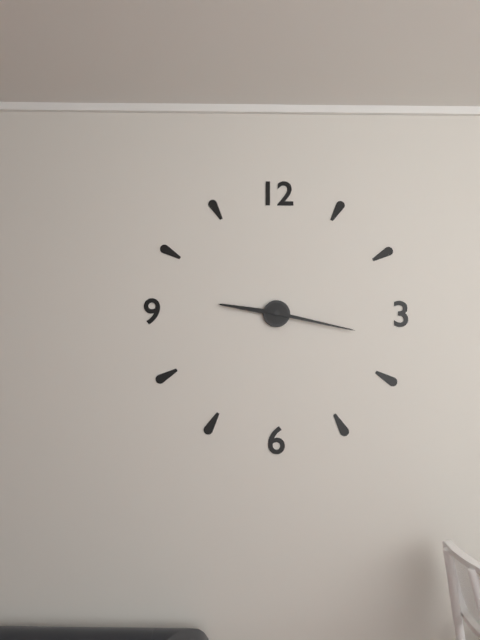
9h17
